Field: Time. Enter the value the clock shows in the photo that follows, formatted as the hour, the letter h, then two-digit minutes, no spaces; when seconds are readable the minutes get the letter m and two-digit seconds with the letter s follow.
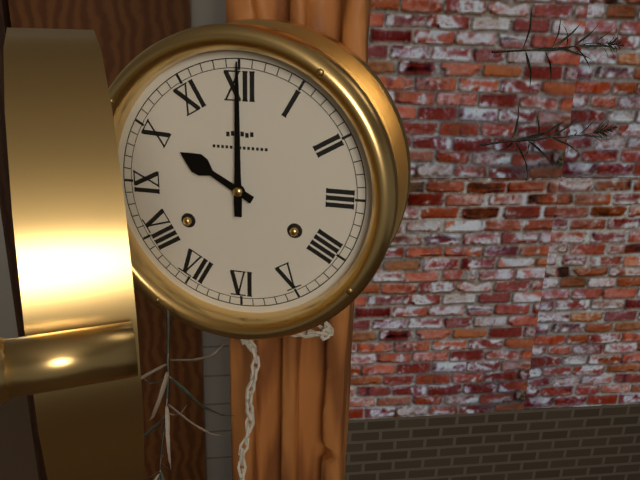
10h00
